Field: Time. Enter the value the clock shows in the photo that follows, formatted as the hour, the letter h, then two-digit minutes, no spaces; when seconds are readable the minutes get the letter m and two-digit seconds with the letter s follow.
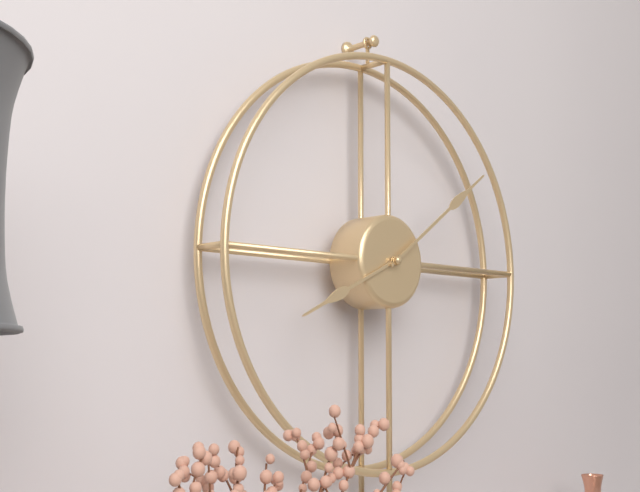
8h09
